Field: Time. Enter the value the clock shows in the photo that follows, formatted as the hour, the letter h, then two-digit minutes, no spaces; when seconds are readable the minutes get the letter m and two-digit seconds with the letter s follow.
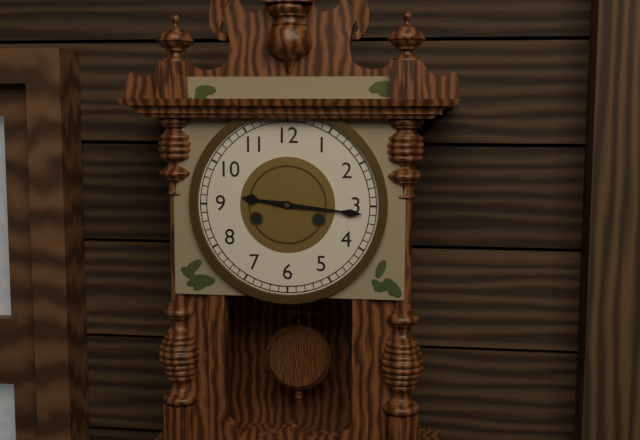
9h16
